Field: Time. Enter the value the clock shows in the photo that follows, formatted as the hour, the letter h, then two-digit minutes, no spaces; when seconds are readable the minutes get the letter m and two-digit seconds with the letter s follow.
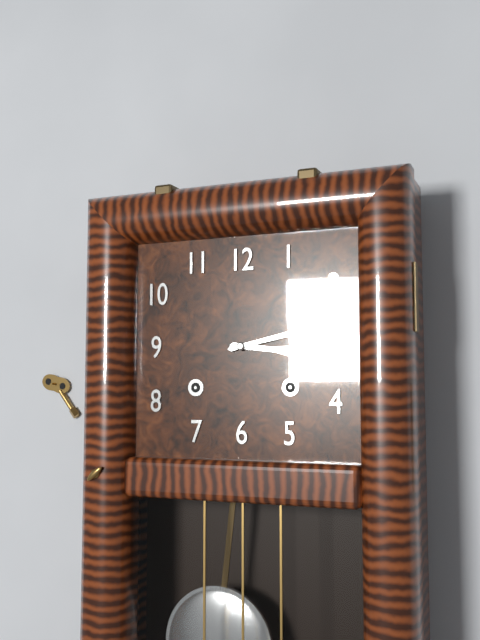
3h13
